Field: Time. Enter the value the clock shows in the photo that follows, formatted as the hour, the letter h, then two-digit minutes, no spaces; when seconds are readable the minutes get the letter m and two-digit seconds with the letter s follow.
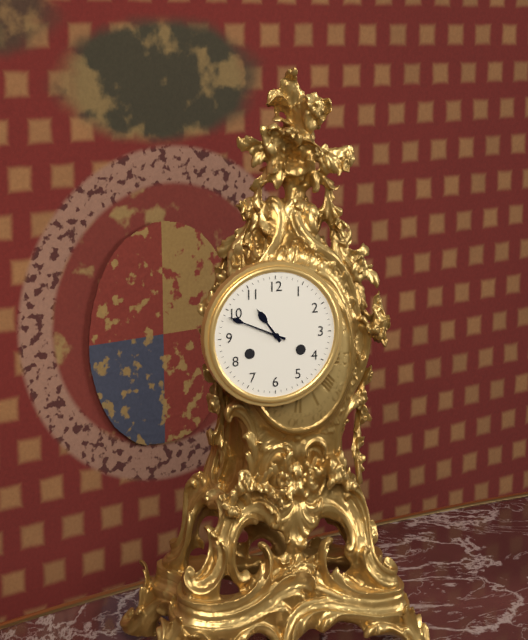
10h49
